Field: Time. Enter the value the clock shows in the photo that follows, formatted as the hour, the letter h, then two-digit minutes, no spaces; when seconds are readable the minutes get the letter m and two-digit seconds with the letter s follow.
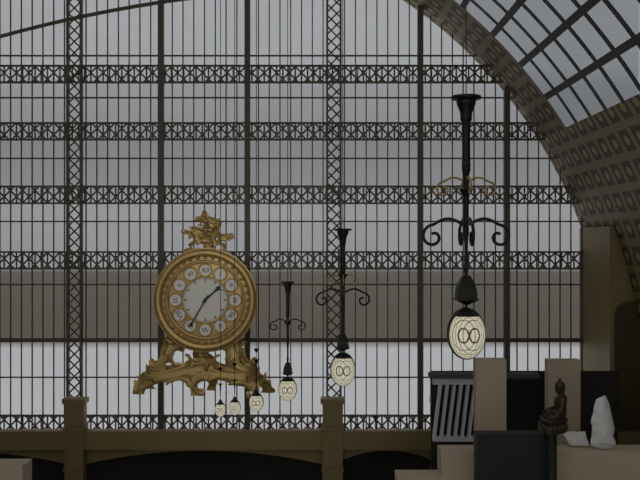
1h35
